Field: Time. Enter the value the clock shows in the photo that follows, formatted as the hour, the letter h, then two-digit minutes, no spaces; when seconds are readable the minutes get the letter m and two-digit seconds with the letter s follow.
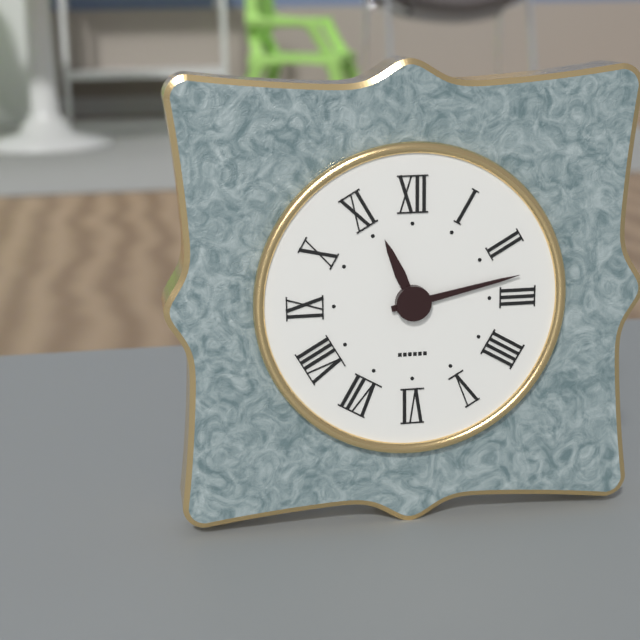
11h13
